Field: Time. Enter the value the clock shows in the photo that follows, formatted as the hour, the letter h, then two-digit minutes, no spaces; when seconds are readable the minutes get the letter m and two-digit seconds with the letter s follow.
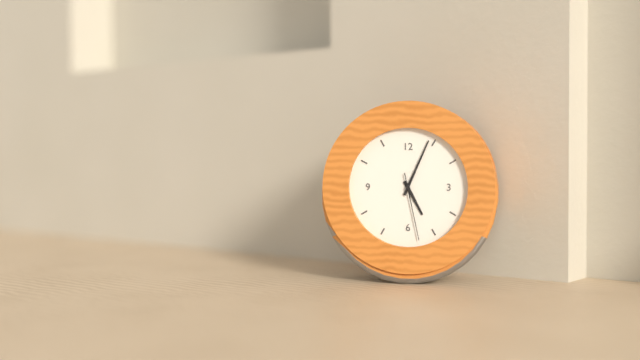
5h04m28s
